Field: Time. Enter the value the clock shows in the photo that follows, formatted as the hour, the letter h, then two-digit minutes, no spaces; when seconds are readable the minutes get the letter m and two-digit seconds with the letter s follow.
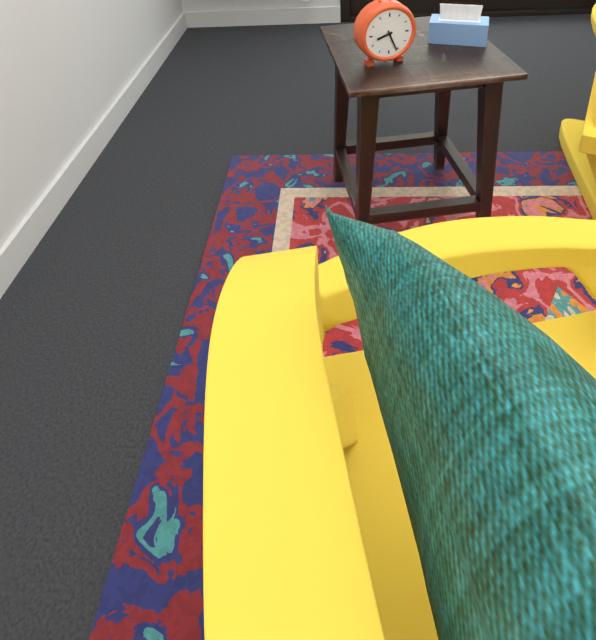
8h26
